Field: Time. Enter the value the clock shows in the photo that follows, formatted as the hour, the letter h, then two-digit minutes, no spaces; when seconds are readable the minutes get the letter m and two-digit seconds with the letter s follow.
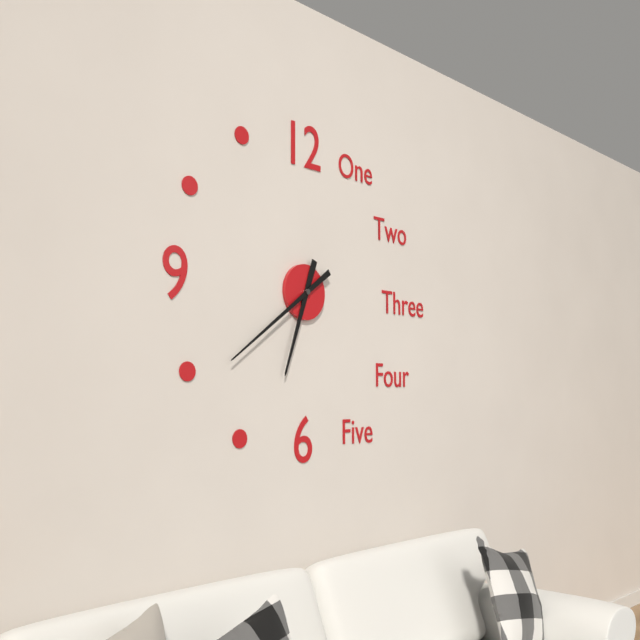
6h39
